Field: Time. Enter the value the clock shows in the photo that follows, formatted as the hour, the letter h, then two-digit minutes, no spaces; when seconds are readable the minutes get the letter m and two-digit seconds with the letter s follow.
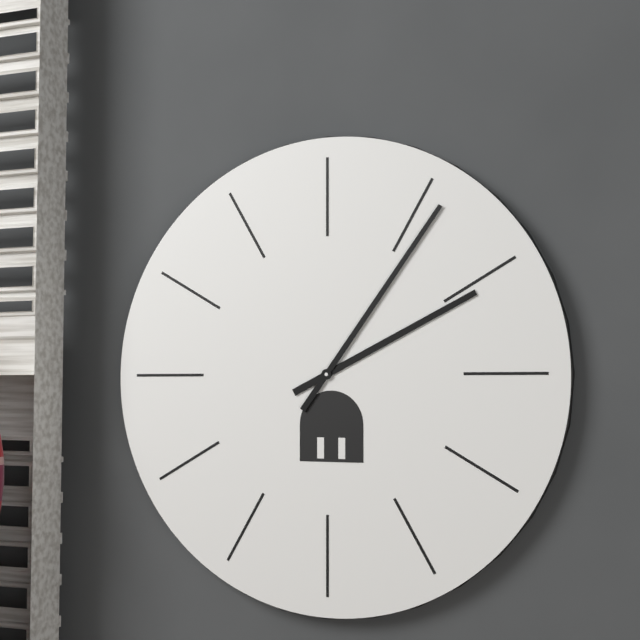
2h06
